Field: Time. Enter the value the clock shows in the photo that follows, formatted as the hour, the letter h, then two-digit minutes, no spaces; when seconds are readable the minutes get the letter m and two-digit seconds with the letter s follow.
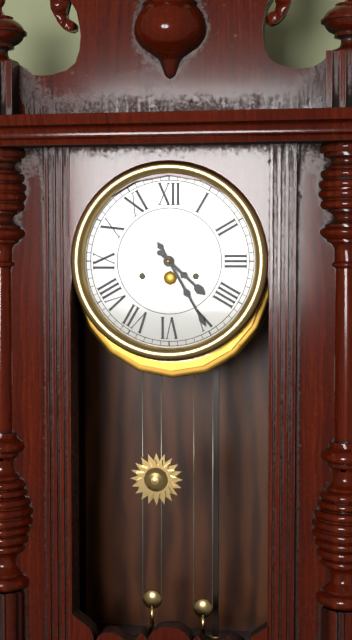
4h25
